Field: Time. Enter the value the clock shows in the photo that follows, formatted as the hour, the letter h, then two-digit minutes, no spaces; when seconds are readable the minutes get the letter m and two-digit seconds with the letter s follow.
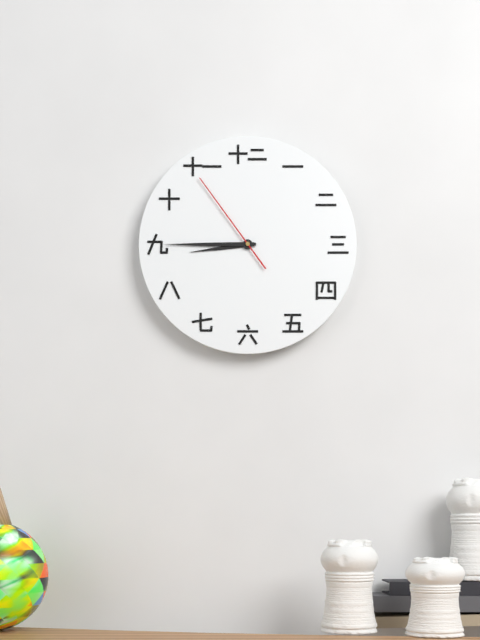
8h45m54s
